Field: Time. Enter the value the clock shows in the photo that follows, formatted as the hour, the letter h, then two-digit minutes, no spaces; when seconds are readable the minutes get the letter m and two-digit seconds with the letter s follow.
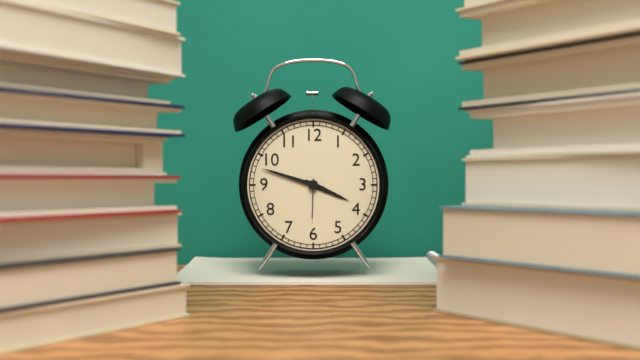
3h48
